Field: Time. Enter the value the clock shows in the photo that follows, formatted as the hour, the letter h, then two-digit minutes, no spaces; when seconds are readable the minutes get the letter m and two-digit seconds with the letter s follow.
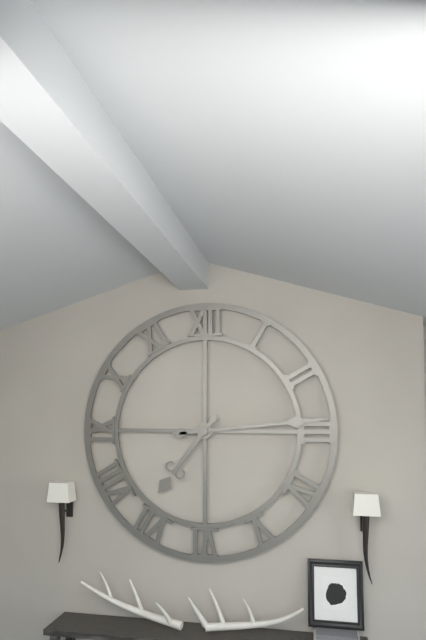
7h14
